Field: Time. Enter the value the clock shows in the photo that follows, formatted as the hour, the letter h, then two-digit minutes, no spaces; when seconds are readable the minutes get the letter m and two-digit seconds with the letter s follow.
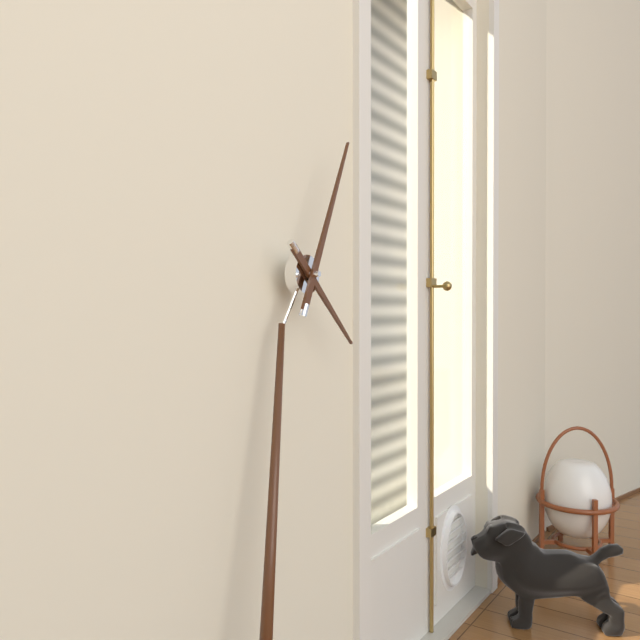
4h02
